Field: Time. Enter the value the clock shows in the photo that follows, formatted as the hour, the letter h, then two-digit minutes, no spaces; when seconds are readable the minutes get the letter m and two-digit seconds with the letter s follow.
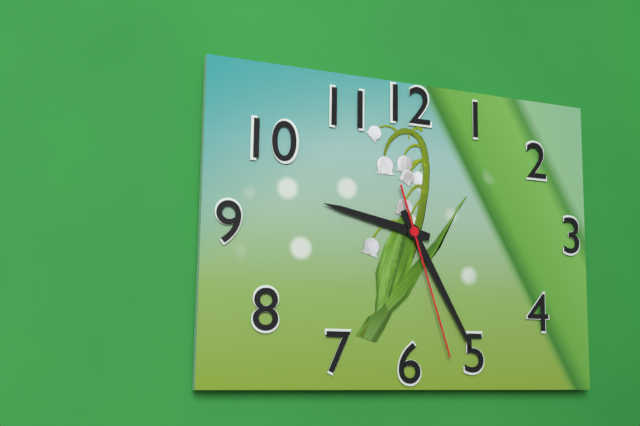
9h25m27s
